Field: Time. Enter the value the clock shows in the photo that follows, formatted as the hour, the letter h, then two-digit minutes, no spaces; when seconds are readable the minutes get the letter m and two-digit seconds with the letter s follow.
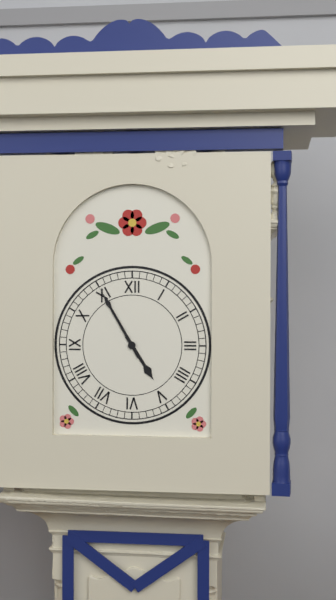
4h55
